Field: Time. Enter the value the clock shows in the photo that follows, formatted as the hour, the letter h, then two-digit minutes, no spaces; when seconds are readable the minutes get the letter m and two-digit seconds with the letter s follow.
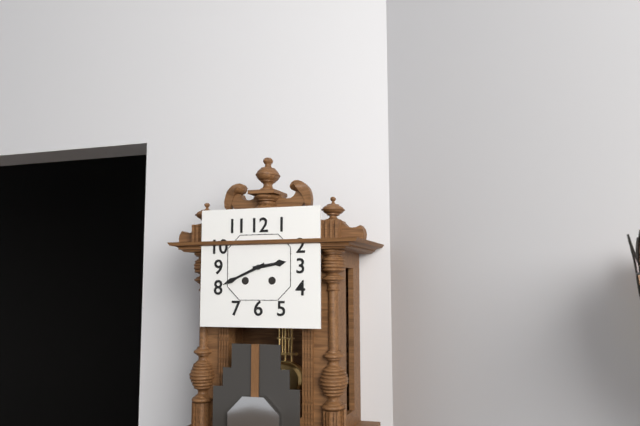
2h41
